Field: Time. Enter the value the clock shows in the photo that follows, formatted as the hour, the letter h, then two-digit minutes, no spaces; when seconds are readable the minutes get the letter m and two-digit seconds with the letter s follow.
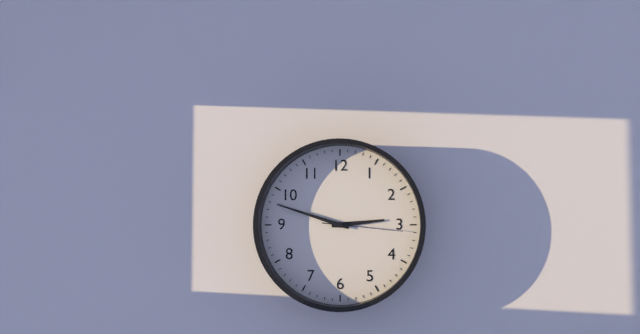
2h48m16s
